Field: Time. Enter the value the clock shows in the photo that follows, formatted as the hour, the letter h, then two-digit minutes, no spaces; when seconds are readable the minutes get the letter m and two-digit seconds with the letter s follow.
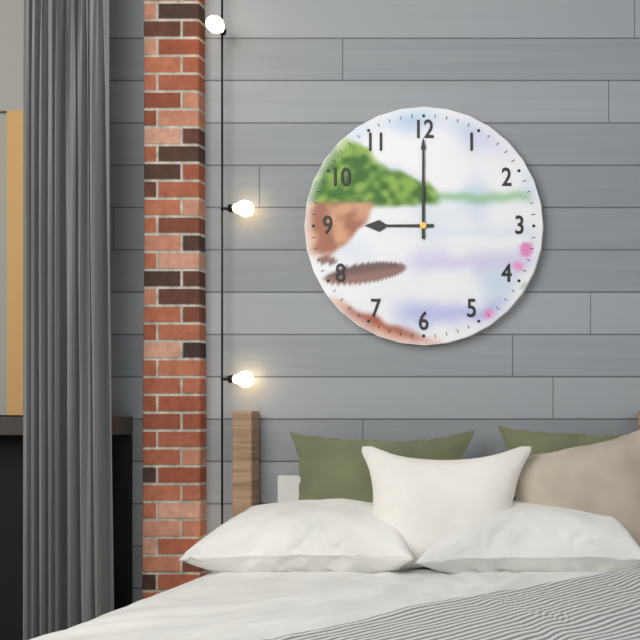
9h00
